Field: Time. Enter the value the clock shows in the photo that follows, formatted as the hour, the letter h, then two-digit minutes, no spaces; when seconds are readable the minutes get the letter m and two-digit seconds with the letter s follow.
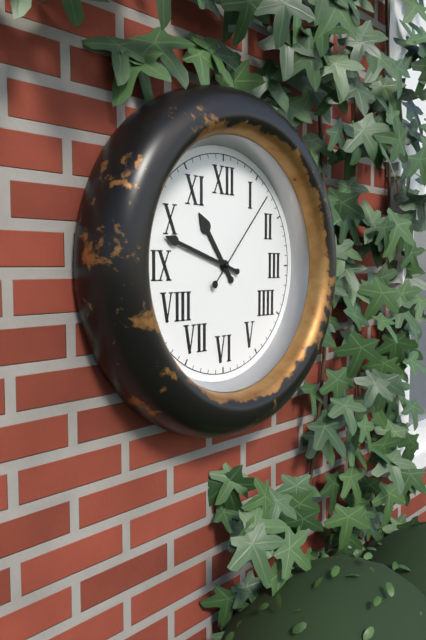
10h48m07s
